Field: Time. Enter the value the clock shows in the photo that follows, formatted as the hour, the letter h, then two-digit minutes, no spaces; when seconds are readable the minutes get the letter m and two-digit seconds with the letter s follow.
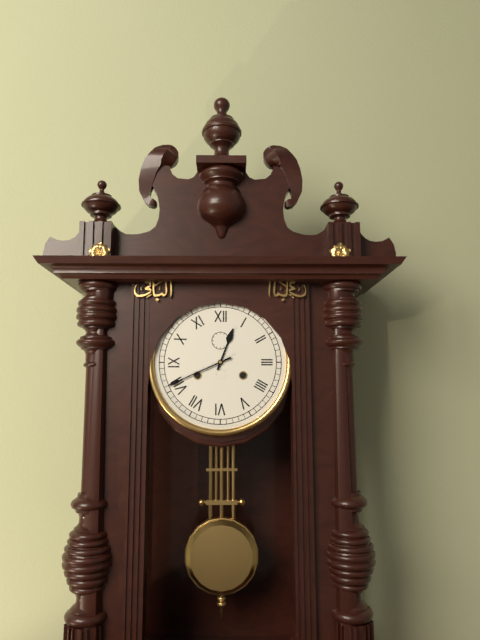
12h41
